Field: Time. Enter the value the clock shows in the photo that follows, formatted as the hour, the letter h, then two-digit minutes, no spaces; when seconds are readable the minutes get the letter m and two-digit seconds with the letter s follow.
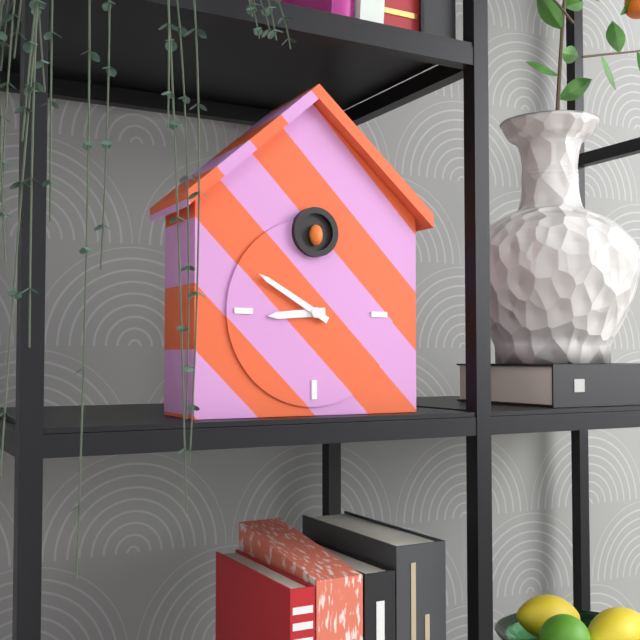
8h50
